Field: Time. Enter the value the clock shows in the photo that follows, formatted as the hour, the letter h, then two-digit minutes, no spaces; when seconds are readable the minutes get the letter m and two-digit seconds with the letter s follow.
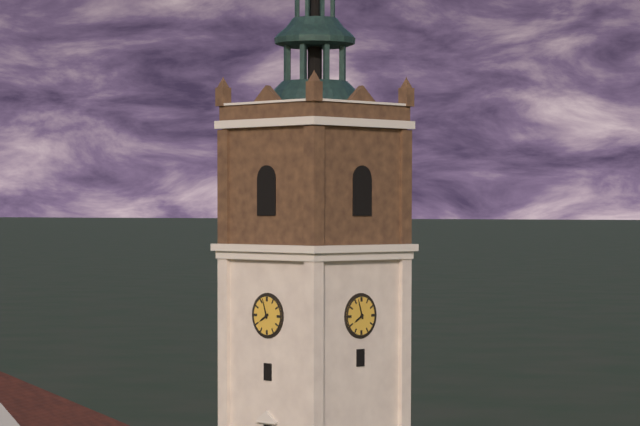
7h57
